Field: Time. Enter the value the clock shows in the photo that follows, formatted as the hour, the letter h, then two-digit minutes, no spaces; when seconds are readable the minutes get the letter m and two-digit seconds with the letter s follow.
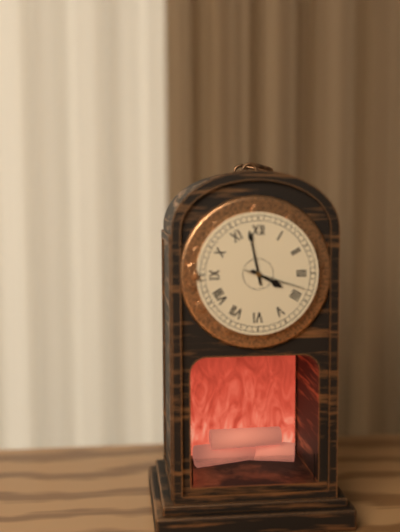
3h58m18s
